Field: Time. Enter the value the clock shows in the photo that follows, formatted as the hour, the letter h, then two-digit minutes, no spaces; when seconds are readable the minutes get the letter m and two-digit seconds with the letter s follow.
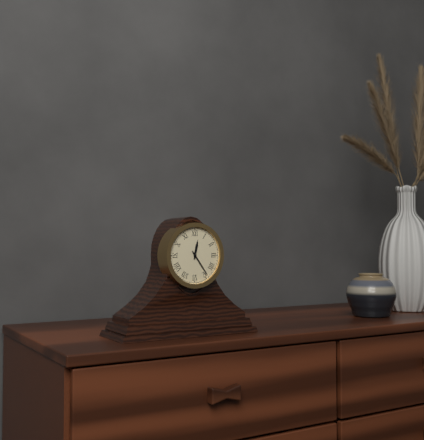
12h24
